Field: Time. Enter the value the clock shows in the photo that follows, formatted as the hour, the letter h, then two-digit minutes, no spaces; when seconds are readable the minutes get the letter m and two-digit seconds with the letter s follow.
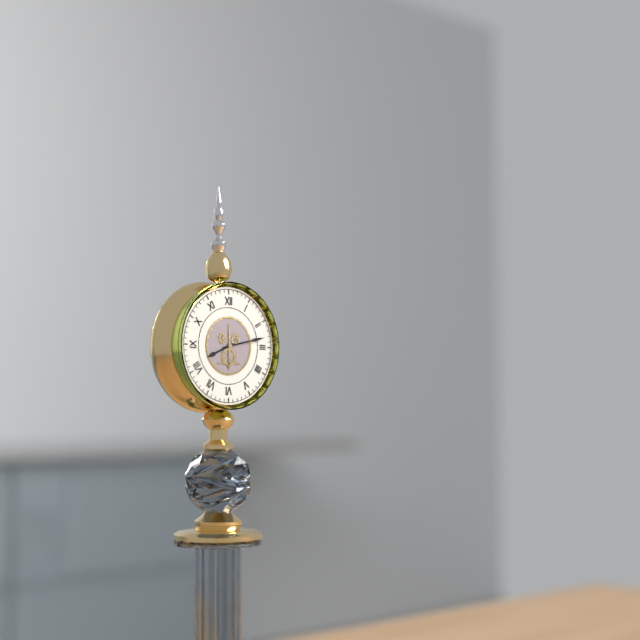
8h13
